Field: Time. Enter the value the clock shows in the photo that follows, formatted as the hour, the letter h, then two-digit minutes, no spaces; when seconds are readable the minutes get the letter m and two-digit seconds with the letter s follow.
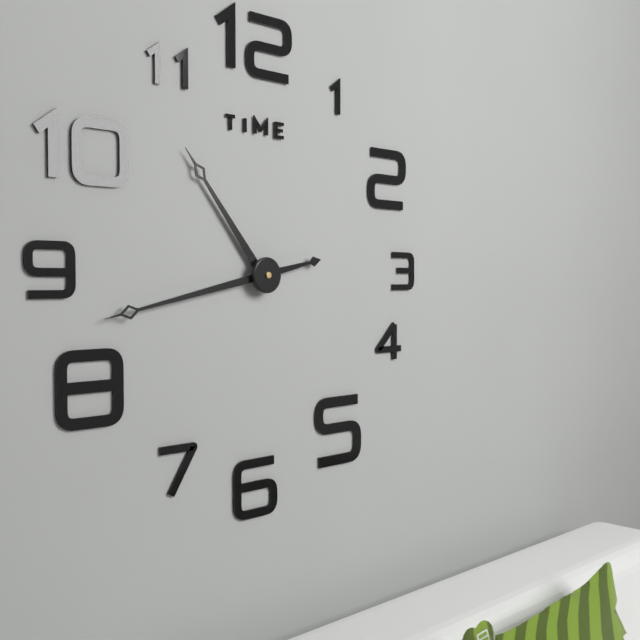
10h43
